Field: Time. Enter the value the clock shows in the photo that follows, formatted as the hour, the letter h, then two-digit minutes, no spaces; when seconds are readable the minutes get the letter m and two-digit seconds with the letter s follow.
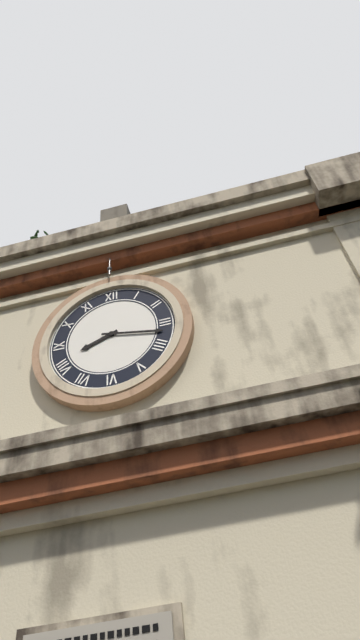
8h17
